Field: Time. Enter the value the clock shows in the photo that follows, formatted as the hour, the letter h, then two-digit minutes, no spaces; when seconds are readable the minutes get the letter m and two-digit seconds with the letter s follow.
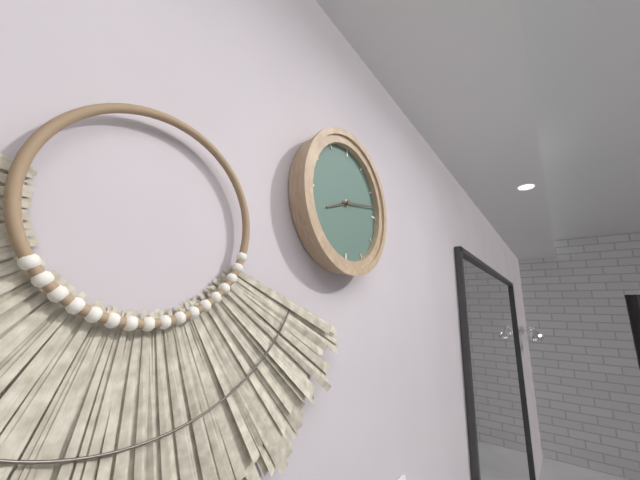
8h13
